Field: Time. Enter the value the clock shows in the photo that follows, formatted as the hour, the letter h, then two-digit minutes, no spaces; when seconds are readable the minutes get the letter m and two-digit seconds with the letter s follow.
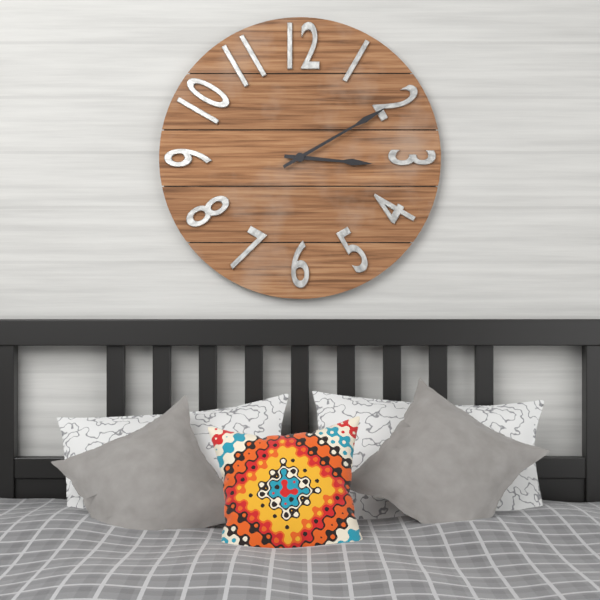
3h10
